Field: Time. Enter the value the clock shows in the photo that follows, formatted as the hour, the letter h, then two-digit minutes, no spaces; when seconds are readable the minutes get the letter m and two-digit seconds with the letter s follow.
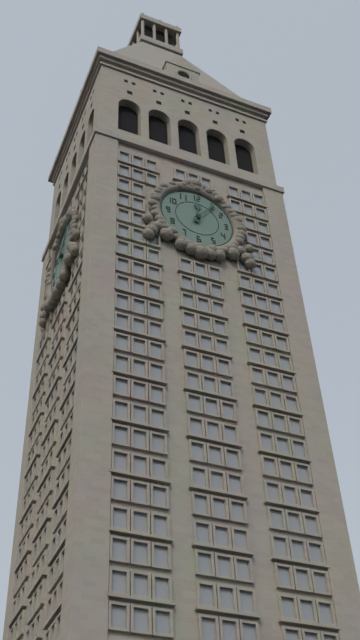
12h06
